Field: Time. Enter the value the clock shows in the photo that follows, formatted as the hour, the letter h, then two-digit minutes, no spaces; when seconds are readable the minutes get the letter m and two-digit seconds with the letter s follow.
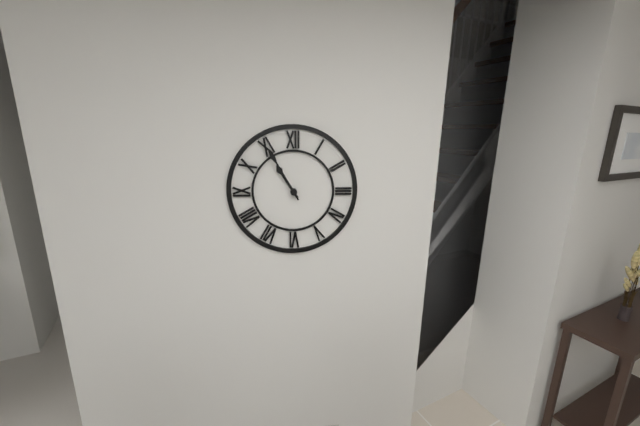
10h55
